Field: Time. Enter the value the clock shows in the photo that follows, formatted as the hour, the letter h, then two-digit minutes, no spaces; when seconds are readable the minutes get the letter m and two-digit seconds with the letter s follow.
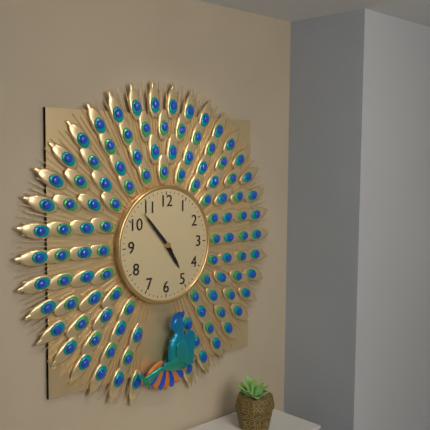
4h53
